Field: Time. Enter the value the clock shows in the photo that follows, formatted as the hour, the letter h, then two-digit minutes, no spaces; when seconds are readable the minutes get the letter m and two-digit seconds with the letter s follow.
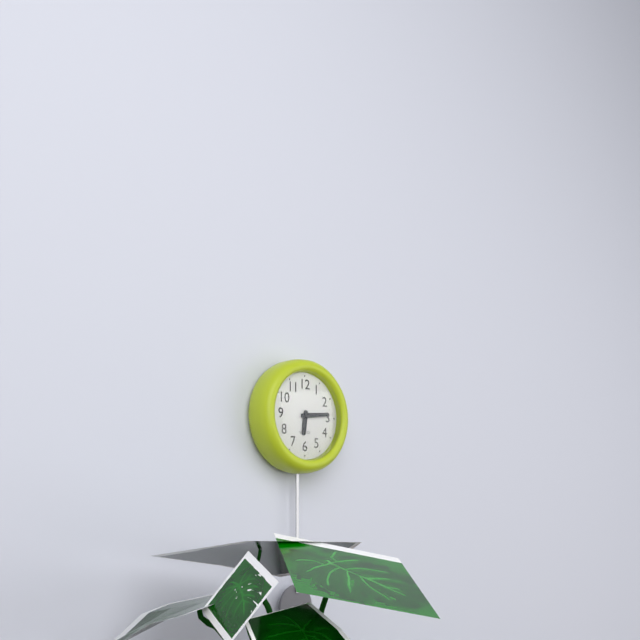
6h14
